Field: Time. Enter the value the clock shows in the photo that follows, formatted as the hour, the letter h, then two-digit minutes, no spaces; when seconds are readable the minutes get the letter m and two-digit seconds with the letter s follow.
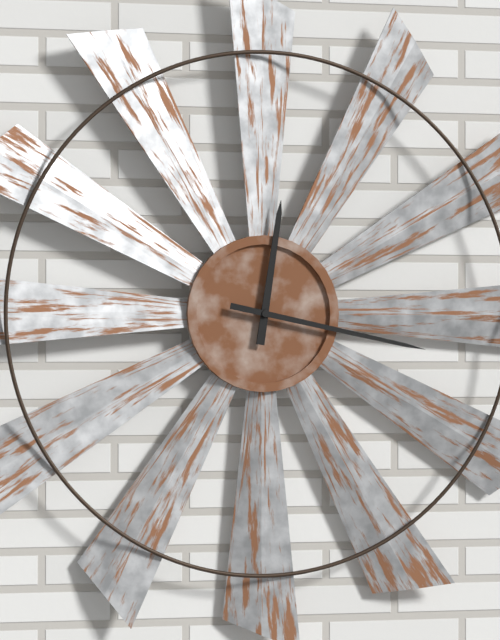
12h17
